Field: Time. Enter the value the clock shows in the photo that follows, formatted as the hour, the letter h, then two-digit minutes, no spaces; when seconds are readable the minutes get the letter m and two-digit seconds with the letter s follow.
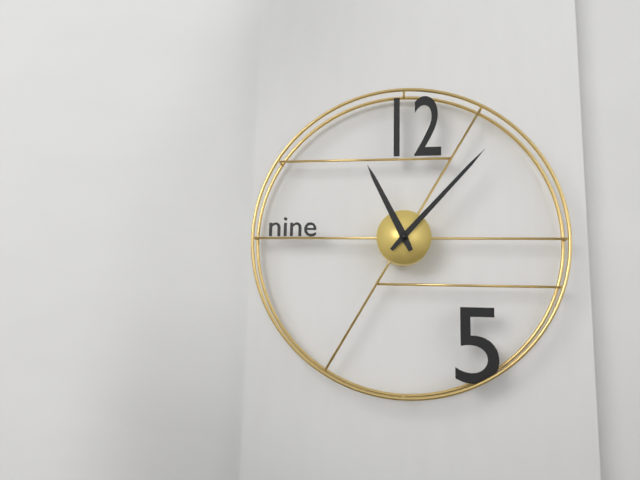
11h07
